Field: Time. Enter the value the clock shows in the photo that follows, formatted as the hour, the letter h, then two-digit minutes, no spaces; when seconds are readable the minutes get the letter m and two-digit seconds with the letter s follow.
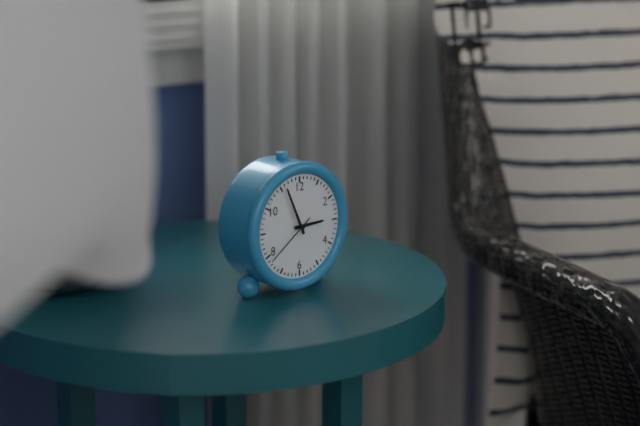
2h56m39s
